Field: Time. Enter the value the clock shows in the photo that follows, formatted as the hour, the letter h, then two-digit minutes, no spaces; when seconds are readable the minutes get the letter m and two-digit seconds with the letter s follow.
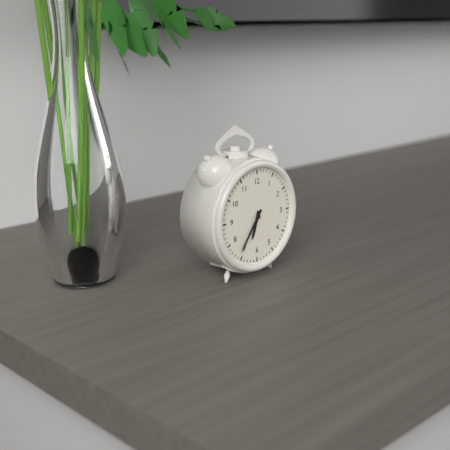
6h36
